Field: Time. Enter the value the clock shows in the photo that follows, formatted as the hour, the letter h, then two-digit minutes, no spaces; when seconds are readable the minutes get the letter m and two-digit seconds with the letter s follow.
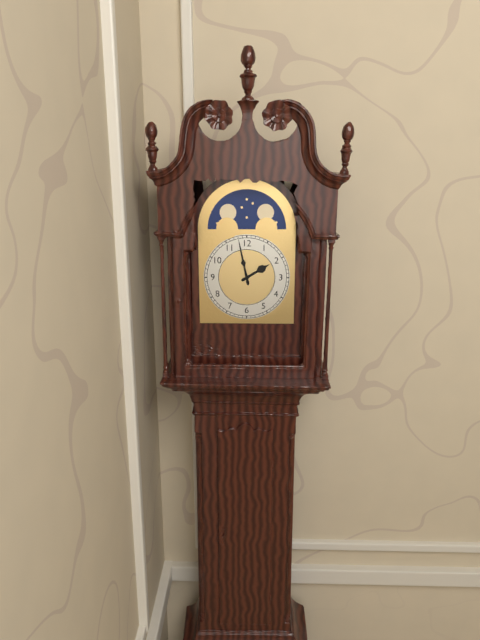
1h58
